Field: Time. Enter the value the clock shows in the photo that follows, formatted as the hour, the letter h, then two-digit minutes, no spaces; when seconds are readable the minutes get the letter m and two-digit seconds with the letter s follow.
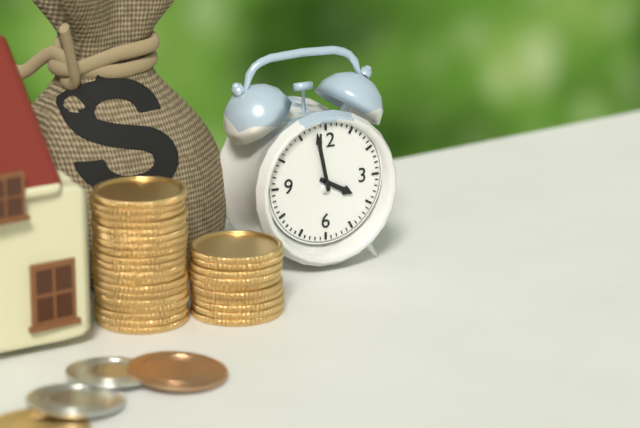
3h58
